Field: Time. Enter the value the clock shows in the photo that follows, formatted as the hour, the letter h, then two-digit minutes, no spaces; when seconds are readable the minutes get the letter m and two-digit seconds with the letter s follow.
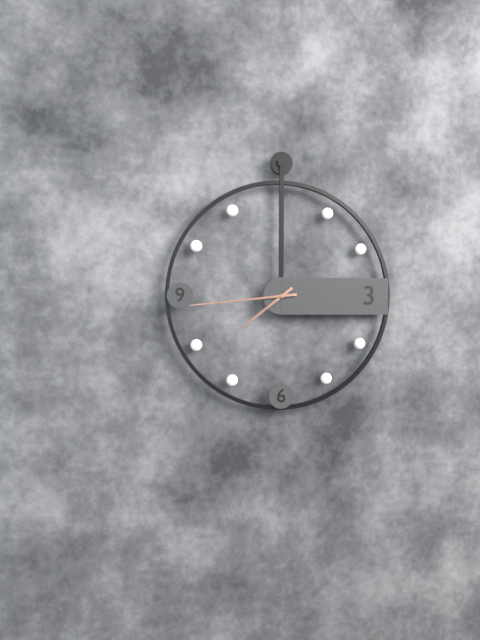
7h44
